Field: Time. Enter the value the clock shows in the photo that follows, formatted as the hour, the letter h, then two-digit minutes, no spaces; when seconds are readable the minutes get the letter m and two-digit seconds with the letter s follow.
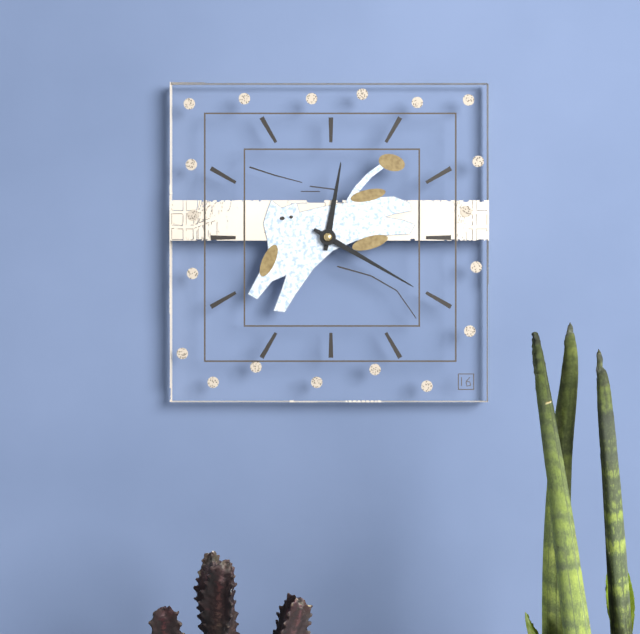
12h20
